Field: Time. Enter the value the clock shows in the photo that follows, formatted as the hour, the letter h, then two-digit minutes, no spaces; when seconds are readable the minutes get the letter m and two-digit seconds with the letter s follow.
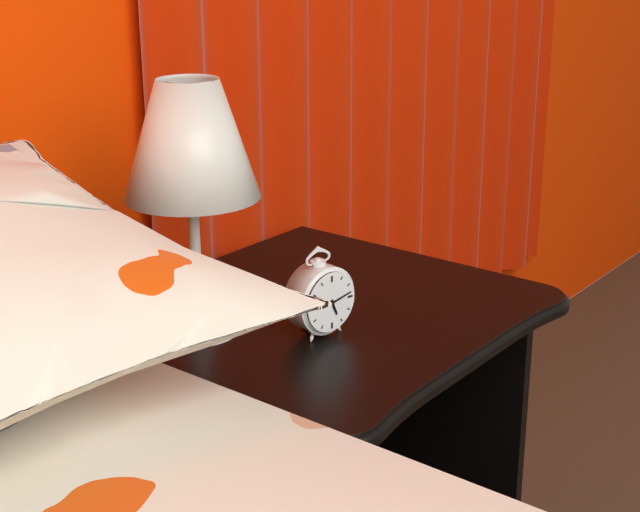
5h13
